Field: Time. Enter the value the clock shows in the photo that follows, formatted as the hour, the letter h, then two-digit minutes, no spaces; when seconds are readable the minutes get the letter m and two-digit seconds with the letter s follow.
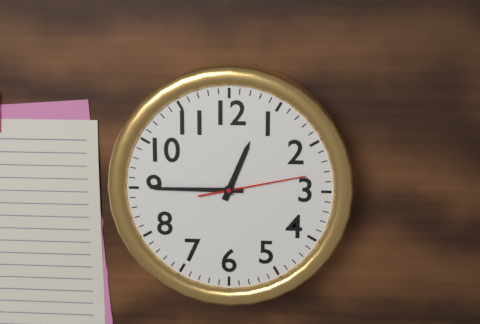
12h45m13s
